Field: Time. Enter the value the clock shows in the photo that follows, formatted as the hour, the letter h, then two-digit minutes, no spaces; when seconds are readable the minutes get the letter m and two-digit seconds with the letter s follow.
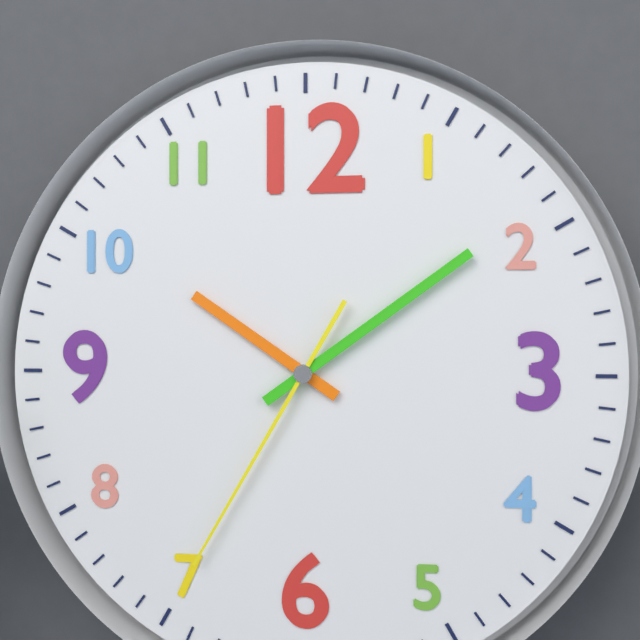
10h09m35s
